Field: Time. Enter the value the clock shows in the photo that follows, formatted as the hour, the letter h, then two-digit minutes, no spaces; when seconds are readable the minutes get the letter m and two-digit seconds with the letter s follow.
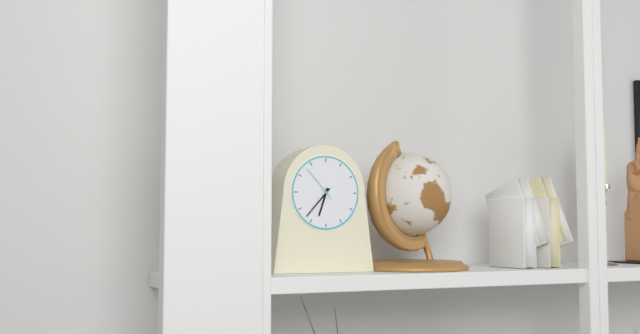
6h37
